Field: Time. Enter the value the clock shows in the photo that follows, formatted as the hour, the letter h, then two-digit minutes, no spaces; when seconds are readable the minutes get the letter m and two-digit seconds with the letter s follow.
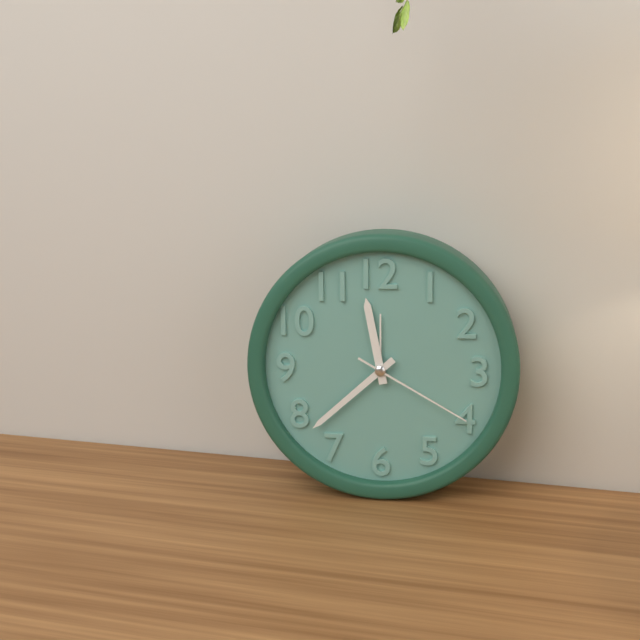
11h38m20s
